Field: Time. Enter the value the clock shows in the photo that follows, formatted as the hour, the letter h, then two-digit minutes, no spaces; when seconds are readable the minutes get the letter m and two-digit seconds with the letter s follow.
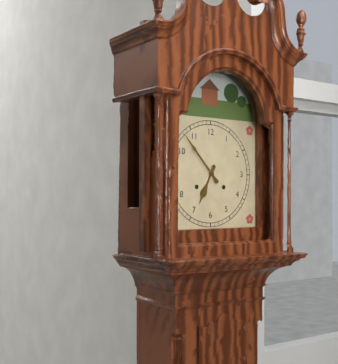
6h53
